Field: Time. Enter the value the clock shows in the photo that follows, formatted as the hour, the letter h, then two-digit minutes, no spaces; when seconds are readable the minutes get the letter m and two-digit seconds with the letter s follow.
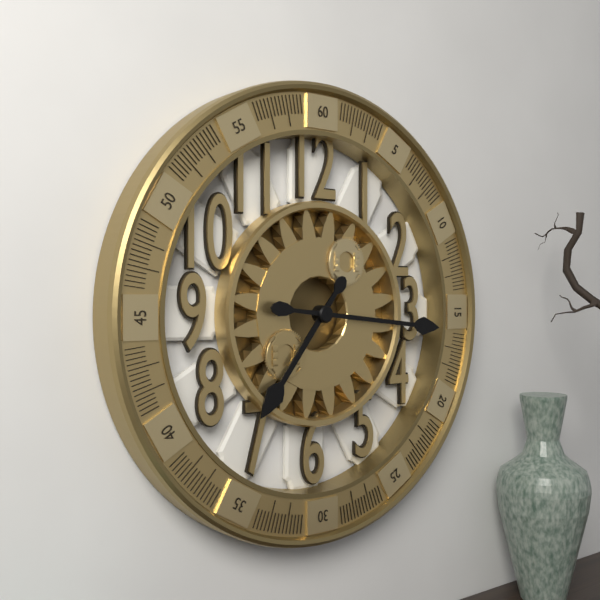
7h16
